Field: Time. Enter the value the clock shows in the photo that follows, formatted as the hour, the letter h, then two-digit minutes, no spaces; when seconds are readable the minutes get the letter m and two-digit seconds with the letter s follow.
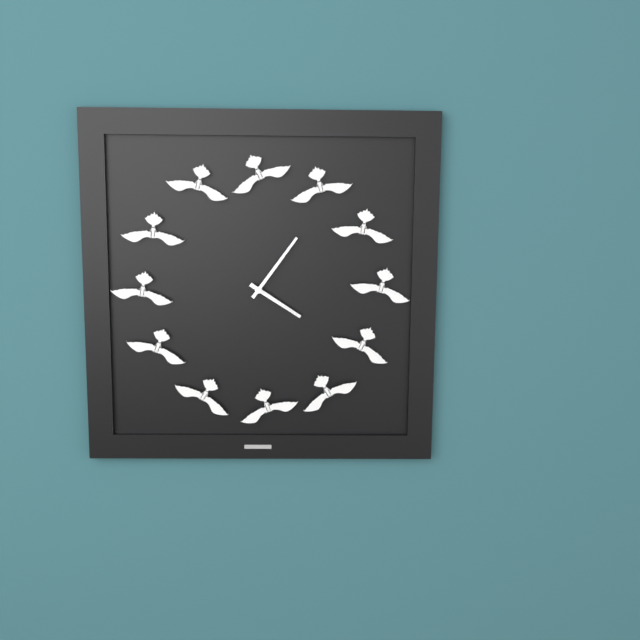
4h06
